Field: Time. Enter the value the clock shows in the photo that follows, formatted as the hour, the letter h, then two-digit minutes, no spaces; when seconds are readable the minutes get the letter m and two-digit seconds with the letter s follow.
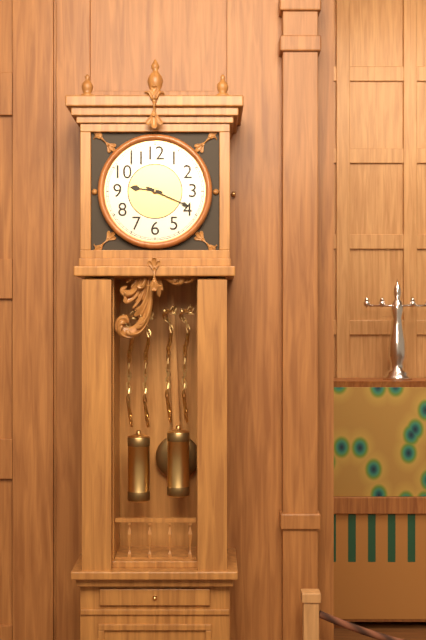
9h19
